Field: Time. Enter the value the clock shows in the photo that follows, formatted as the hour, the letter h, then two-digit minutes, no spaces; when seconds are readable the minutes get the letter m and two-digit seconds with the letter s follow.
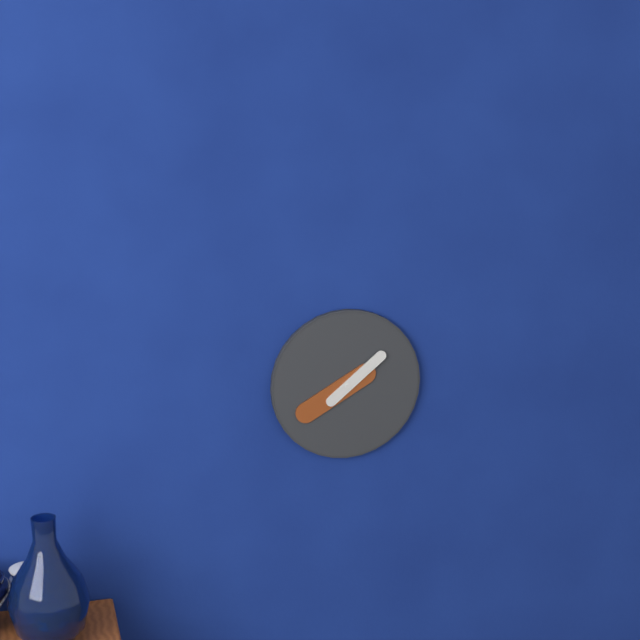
1h40
